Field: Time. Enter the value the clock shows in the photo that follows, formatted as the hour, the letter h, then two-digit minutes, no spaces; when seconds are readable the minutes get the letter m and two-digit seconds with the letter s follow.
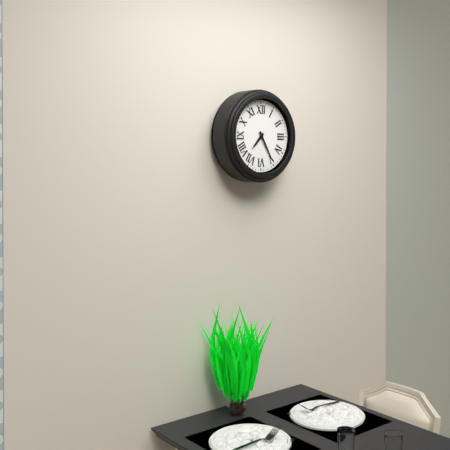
7h25
